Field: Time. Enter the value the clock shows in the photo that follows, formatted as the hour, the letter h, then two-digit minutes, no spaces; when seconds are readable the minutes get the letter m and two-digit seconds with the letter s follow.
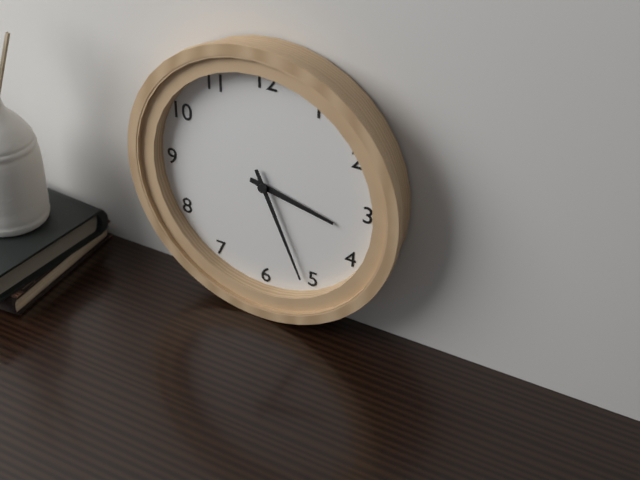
3h26
